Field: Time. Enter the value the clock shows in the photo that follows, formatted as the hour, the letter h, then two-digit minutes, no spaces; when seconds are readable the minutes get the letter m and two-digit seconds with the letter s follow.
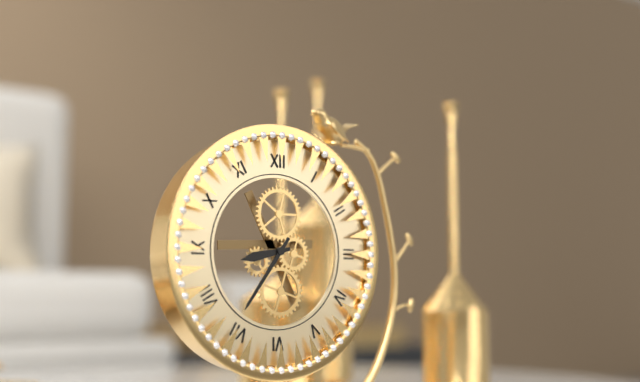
8h36
